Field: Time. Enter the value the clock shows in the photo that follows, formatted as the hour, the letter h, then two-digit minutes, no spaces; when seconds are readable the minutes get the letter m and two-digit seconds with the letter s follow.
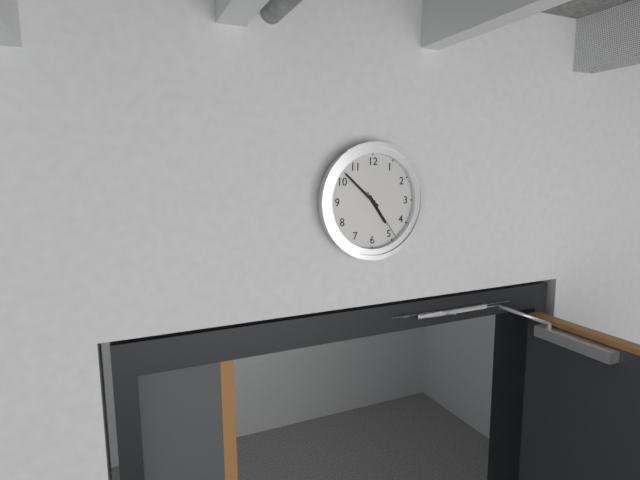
4h52m24s
